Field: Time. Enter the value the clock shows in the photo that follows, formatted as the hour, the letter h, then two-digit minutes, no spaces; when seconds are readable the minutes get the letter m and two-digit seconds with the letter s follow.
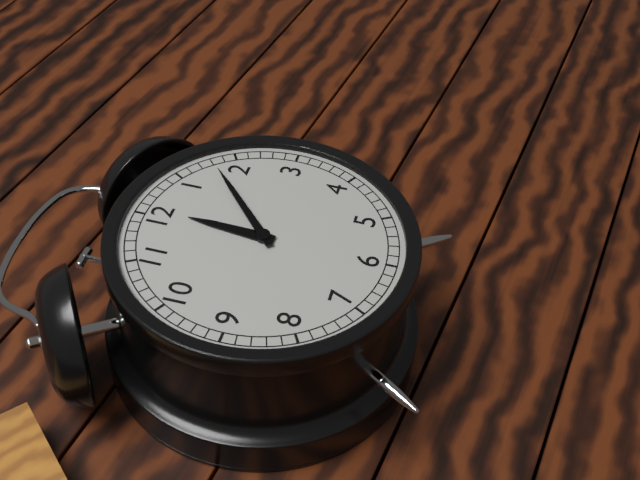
12h08
